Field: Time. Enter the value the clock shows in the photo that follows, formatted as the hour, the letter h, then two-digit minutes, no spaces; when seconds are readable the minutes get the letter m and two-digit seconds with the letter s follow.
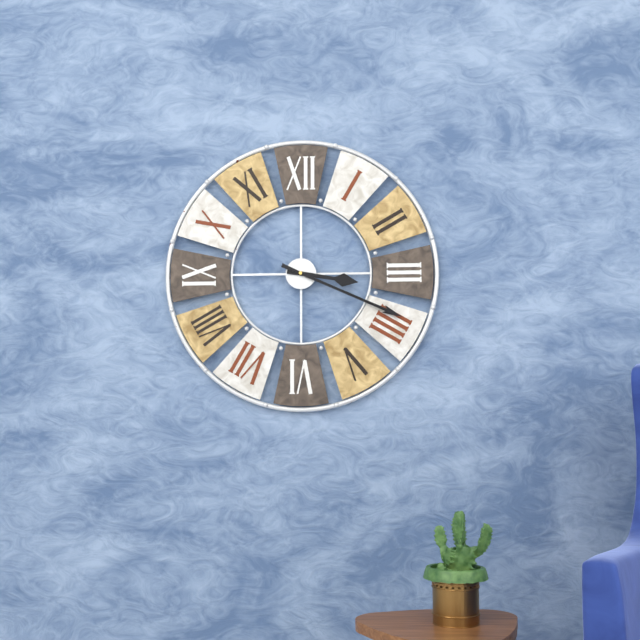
3h19
